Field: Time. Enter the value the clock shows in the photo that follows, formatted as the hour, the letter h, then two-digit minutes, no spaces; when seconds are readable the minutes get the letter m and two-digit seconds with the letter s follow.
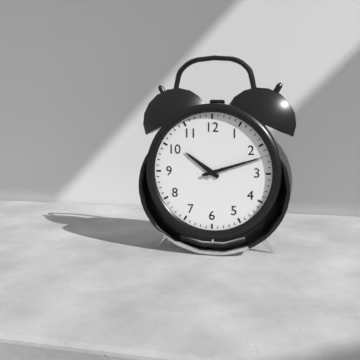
10h12
